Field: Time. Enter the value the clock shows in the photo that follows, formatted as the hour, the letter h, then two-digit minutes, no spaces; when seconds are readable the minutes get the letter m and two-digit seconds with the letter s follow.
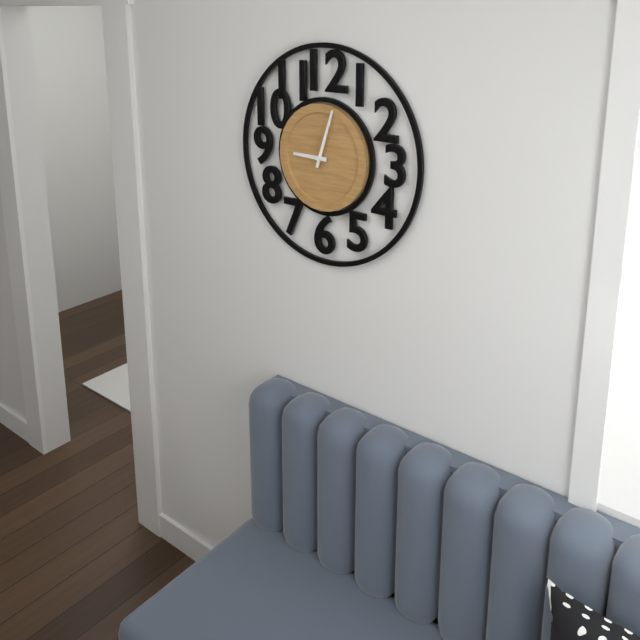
9h03
